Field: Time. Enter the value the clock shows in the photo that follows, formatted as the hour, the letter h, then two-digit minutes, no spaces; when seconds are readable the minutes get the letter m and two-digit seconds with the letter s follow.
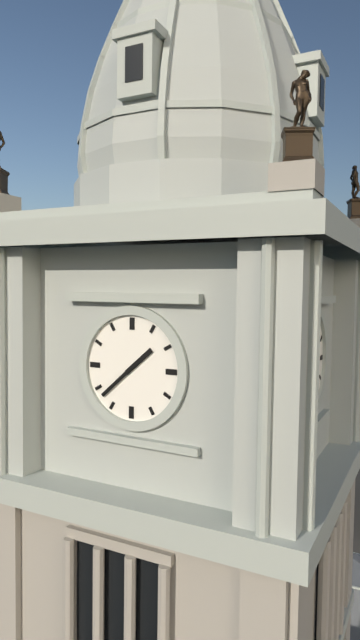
1h38
